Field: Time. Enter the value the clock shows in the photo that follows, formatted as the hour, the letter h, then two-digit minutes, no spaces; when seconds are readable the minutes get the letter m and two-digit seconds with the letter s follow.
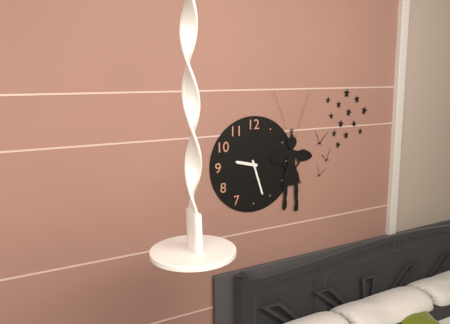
9h27
